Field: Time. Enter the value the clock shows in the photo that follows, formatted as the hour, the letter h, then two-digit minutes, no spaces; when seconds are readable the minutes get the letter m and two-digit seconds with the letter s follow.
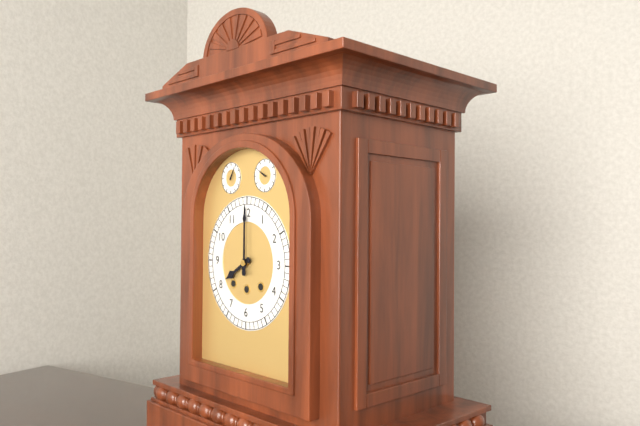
8h00
